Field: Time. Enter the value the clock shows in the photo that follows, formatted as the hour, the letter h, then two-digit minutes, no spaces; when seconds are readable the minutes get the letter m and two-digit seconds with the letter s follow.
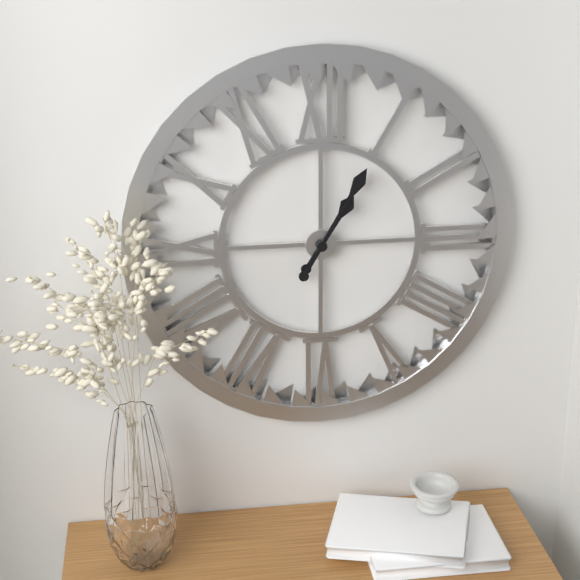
1h05
